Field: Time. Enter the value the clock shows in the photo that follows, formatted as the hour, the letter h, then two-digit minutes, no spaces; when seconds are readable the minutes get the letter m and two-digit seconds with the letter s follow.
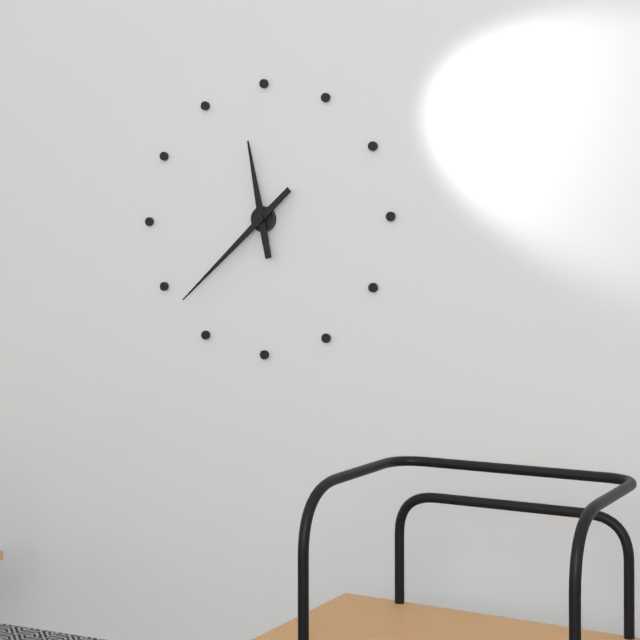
11h38
